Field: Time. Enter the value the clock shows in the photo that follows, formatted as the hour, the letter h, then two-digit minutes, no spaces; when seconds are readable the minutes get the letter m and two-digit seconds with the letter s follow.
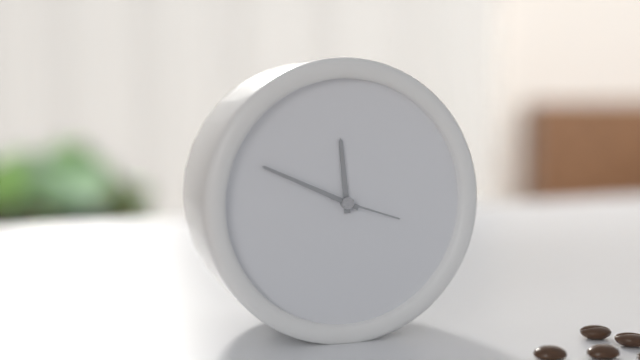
11h49m18s
